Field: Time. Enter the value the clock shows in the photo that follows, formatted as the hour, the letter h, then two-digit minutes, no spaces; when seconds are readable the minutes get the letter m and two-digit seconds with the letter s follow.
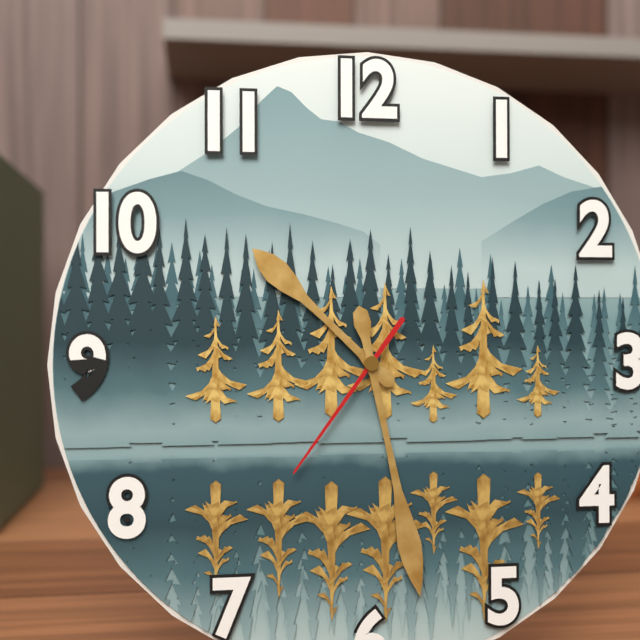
10h28m36s
